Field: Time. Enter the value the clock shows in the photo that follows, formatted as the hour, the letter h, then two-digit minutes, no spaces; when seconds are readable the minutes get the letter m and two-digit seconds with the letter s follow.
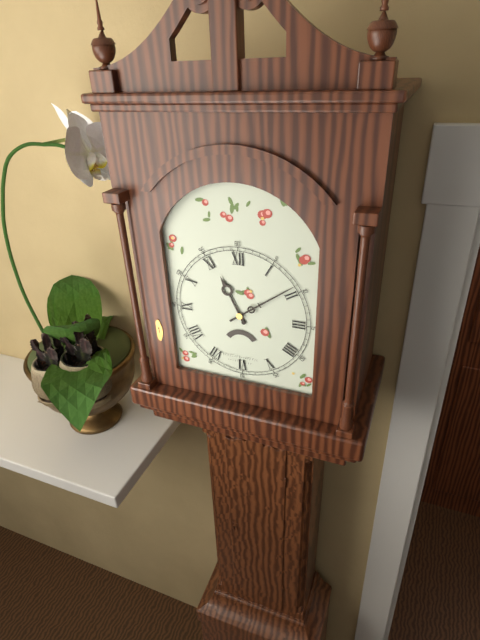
11h09
